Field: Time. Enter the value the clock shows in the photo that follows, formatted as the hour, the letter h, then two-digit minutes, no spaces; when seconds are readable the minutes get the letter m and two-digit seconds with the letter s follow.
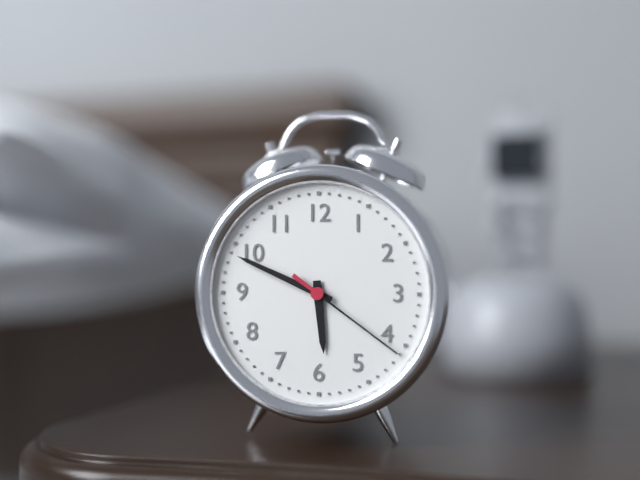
5h49m21s
